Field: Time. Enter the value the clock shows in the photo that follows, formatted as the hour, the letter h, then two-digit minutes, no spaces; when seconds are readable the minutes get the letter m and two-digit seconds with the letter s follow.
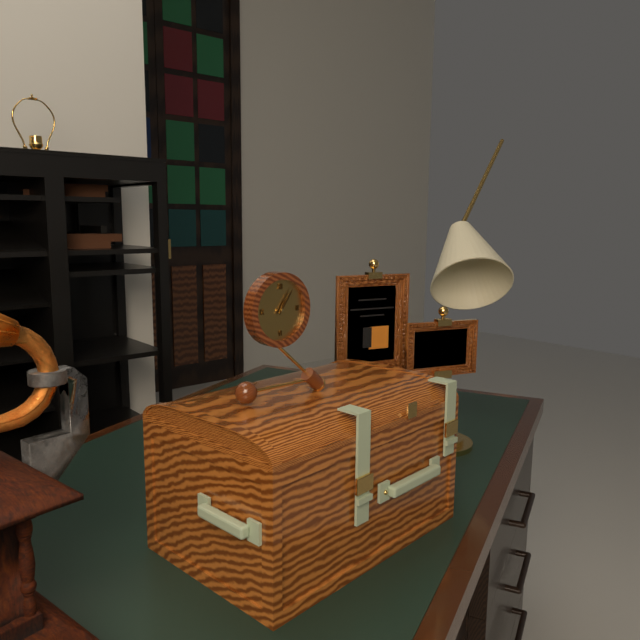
1h06
